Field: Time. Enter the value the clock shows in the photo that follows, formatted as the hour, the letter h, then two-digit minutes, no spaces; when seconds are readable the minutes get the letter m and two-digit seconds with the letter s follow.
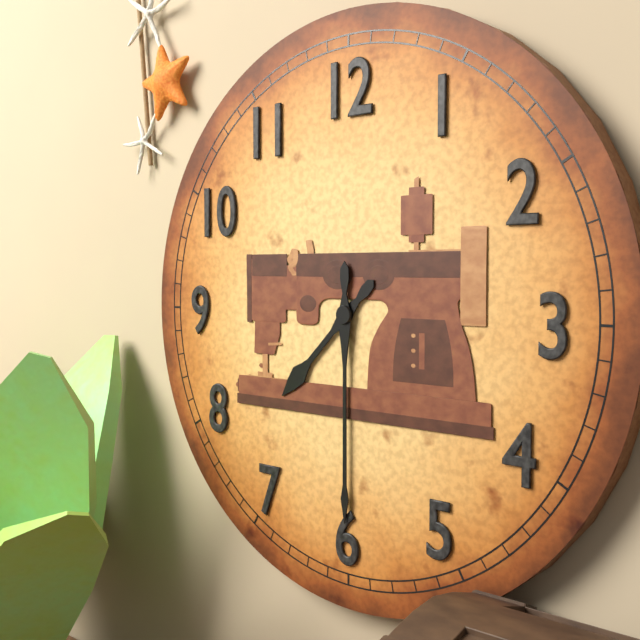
7h30
